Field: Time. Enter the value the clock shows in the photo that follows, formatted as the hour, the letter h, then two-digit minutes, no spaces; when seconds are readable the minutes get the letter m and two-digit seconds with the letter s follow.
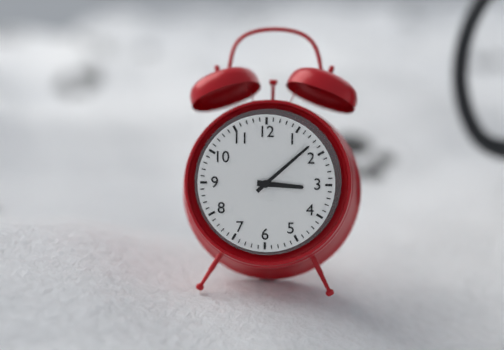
3h08
